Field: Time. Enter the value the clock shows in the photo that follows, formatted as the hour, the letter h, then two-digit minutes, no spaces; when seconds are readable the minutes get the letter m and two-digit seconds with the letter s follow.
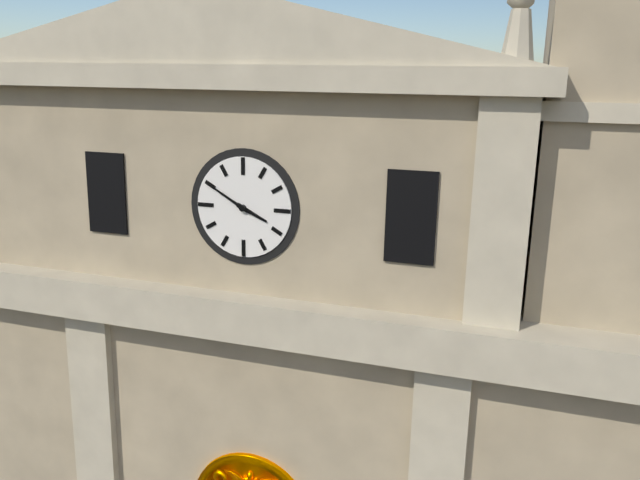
3h50
